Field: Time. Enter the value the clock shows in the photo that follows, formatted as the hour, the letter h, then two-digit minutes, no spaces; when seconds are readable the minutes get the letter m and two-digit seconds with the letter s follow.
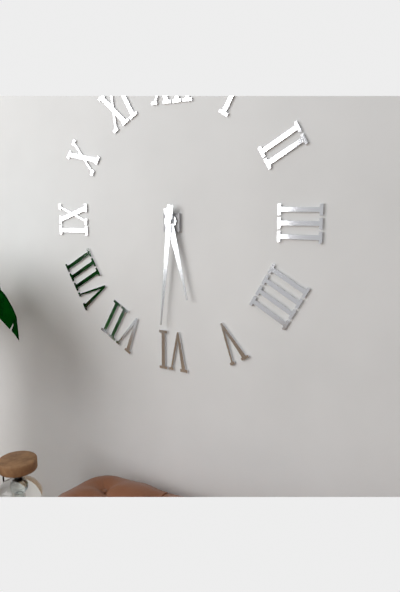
5h31
